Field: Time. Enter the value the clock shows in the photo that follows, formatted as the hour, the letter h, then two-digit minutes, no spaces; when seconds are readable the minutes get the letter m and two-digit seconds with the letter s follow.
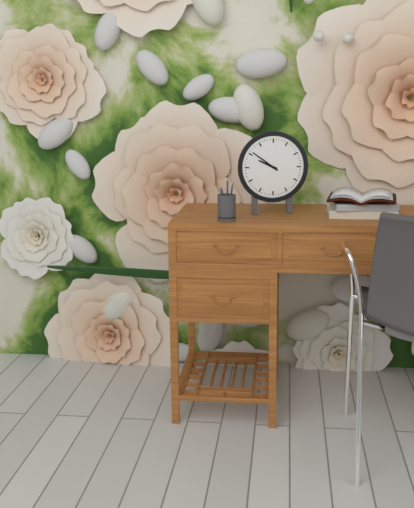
9h51
